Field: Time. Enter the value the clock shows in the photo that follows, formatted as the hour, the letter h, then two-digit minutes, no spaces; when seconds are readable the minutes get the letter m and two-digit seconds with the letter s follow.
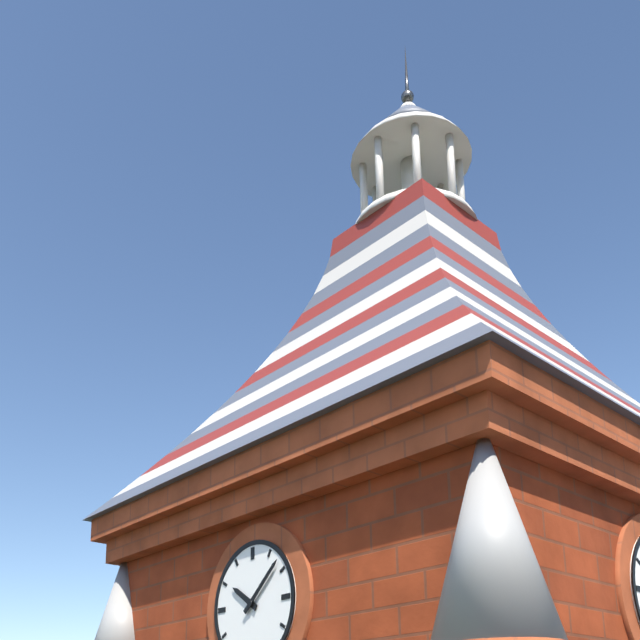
10h08
